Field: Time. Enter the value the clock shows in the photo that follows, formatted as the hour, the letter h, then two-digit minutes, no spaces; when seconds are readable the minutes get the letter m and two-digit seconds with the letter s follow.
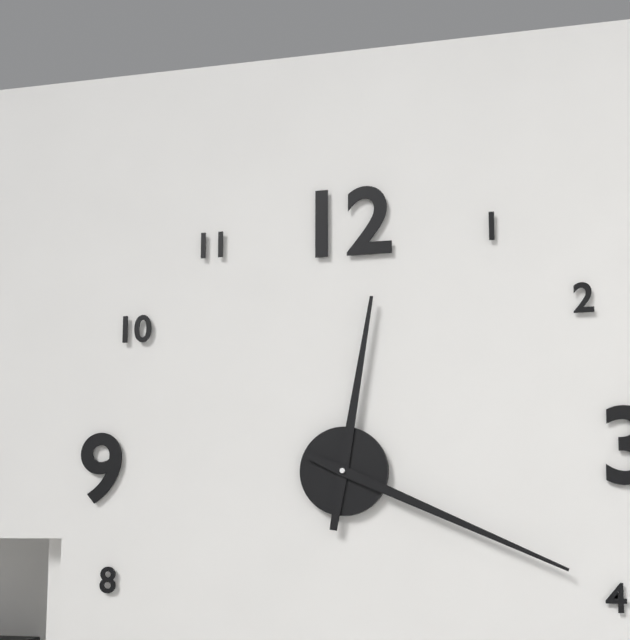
12h19
